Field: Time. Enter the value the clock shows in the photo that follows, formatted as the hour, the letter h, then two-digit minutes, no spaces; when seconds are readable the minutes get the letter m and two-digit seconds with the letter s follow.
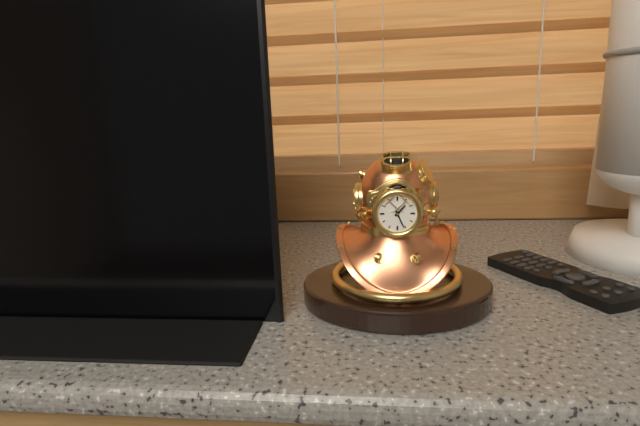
1h26
